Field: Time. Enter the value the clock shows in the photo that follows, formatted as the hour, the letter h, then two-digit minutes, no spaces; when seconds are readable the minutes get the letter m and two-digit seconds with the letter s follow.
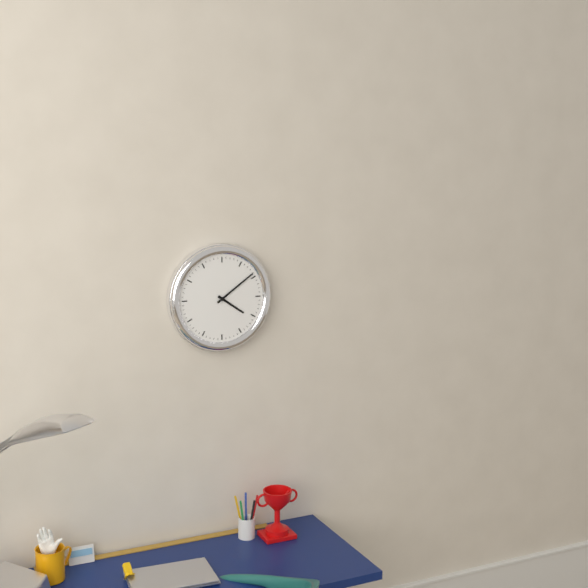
4h09
